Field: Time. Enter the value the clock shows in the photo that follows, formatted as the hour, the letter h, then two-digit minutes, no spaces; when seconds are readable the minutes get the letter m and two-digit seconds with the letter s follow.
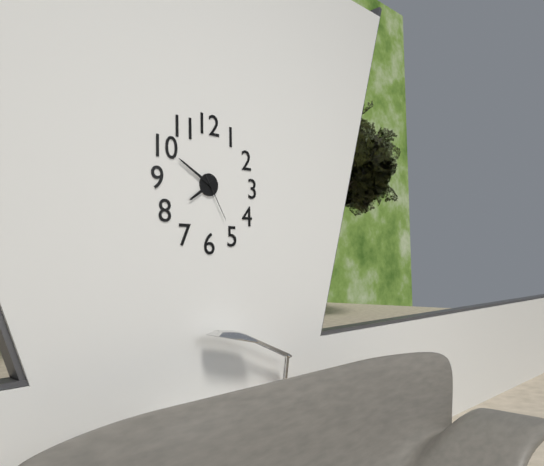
7h50
